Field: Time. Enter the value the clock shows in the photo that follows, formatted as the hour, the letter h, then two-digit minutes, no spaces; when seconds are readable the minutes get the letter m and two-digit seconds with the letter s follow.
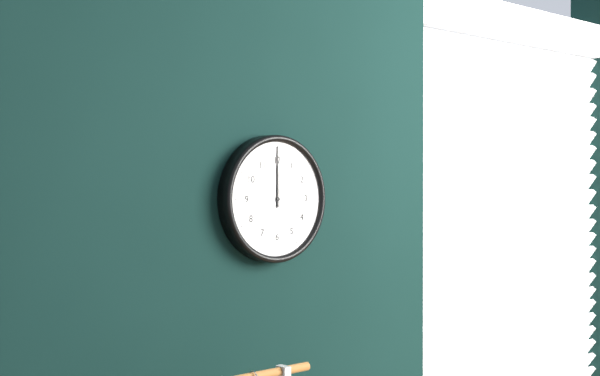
12h00
